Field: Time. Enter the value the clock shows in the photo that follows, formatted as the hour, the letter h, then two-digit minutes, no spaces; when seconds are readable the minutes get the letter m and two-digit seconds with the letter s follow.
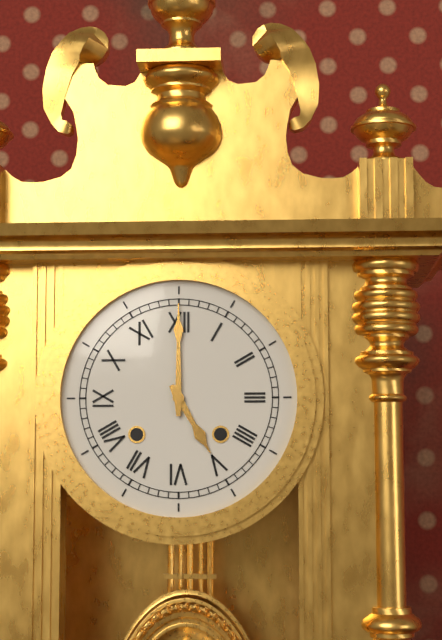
5h00
